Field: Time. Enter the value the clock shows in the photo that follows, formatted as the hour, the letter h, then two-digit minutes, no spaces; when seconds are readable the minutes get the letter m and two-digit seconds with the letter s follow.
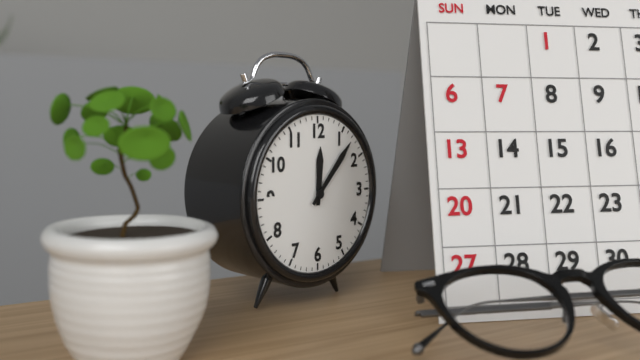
12h07
